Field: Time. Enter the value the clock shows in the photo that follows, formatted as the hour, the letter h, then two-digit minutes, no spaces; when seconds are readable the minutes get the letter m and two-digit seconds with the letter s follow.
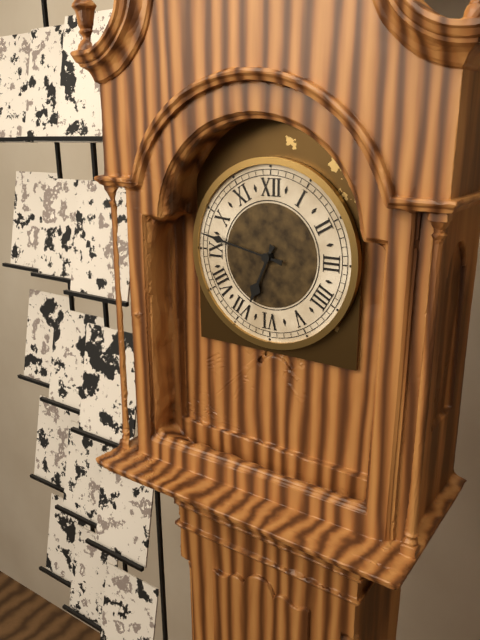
6h47
